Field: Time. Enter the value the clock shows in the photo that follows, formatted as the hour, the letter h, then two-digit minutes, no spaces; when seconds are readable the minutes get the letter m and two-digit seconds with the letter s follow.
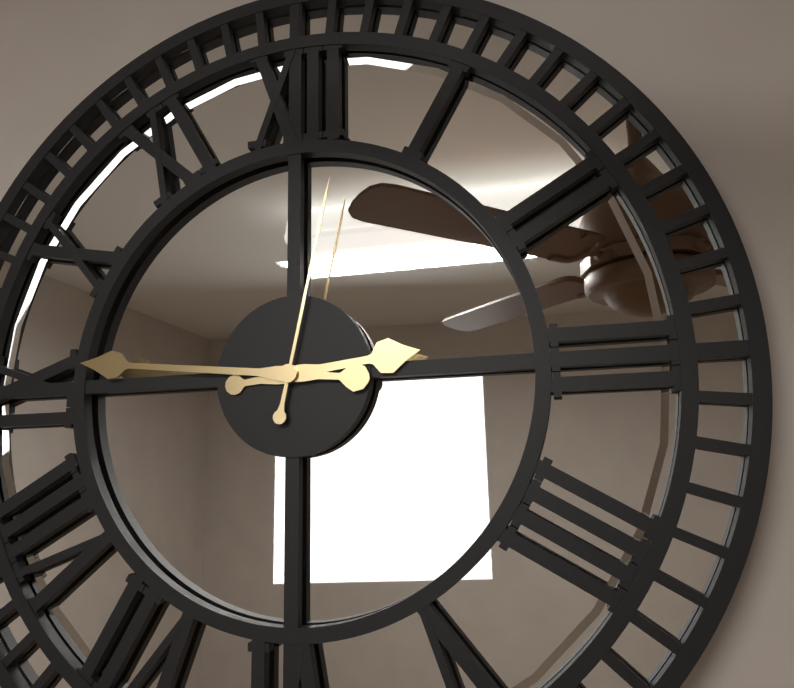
2h46m02s
